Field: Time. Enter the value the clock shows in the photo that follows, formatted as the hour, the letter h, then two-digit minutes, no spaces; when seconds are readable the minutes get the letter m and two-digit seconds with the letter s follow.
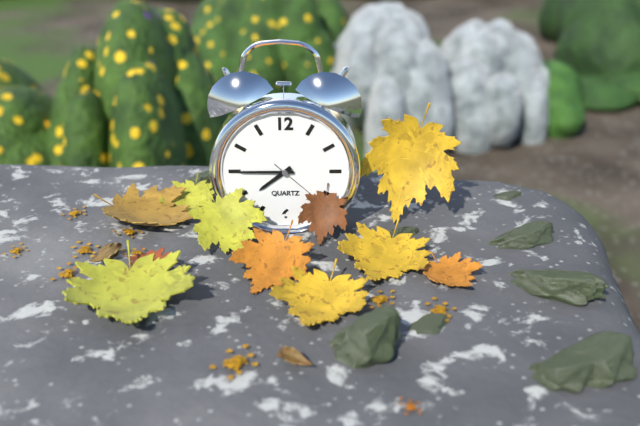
7h45m22s
